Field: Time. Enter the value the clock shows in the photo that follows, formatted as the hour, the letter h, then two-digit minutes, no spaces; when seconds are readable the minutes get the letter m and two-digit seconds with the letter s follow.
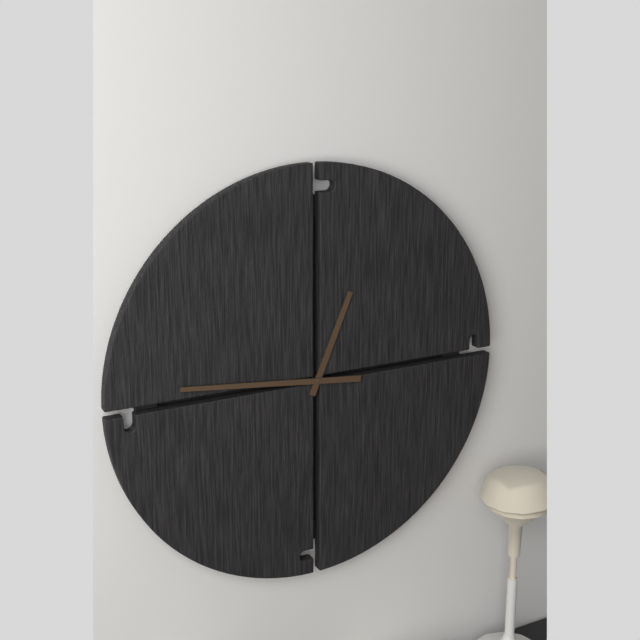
12h46
